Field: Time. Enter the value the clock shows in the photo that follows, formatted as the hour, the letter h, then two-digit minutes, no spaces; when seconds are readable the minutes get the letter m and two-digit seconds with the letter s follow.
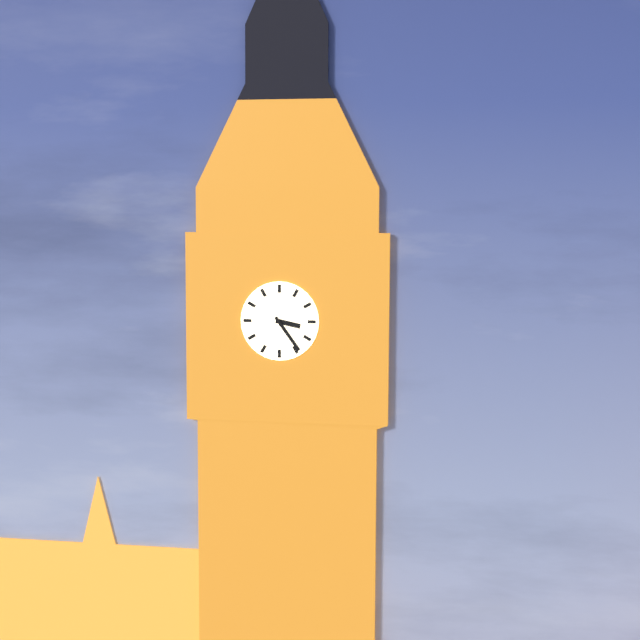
3h24
